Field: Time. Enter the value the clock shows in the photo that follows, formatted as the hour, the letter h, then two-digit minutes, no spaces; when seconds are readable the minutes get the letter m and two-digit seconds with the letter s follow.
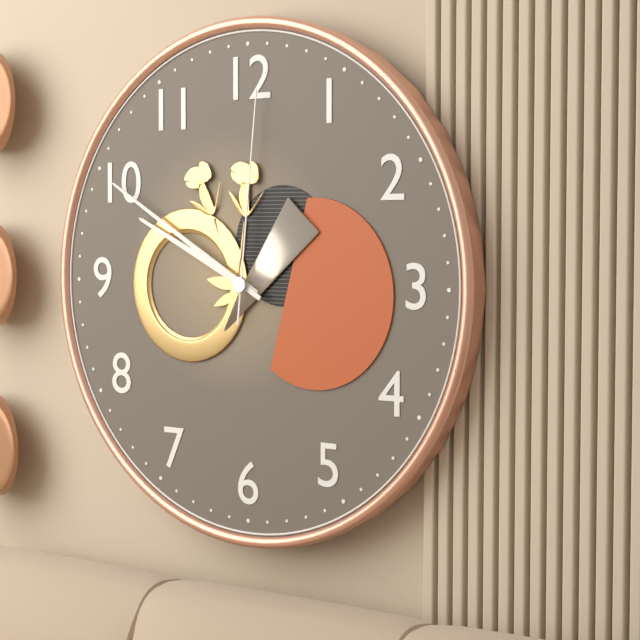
9h50m01s
